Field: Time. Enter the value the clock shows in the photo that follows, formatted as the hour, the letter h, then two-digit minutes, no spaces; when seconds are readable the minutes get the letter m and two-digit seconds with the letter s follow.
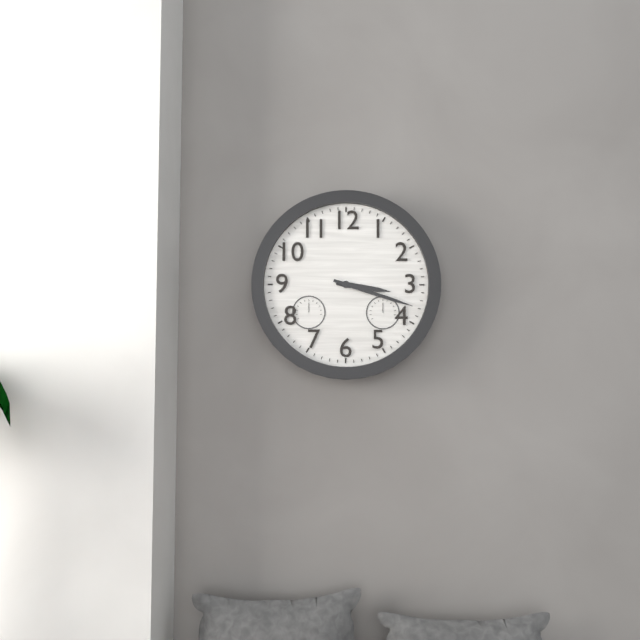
3h18
